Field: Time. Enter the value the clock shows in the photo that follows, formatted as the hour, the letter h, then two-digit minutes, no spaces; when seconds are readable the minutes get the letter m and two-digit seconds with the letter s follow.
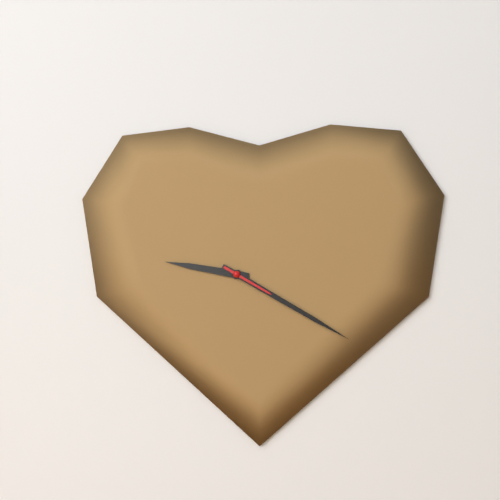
9h20m20s
